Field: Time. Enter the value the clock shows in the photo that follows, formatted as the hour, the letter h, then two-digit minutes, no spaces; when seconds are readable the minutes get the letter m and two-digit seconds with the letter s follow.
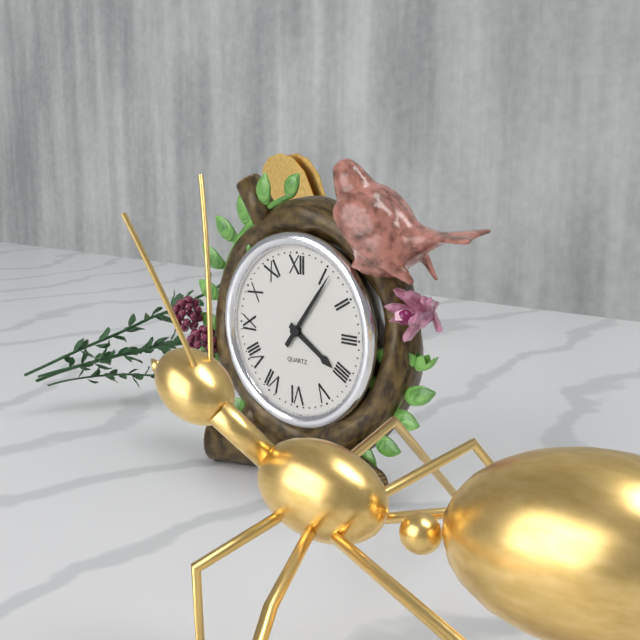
4h06
